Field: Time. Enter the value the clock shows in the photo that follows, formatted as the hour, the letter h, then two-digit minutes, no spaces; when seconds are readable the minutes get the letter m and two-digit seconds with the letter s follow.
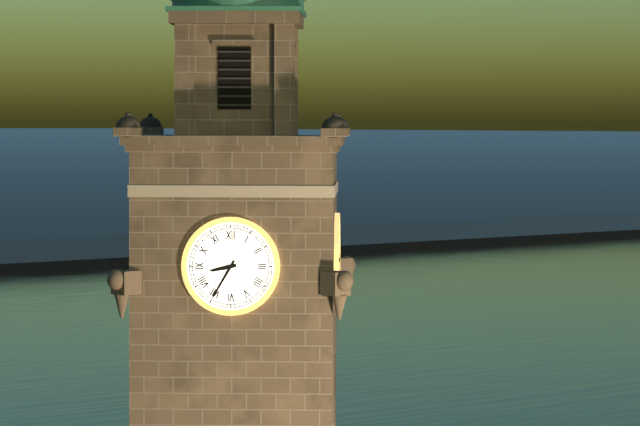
8h35
